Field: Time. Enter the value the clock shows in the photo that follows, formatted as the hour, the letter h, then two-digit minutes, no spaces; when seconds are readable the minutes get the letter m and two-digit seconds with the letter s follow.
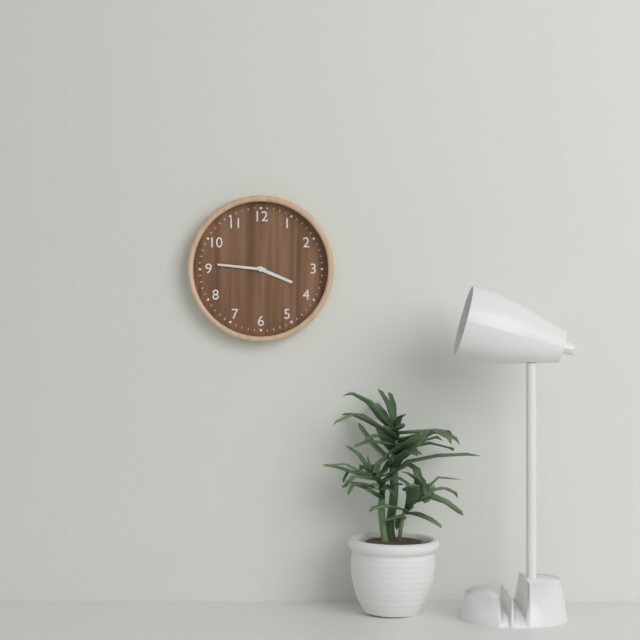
3h46
